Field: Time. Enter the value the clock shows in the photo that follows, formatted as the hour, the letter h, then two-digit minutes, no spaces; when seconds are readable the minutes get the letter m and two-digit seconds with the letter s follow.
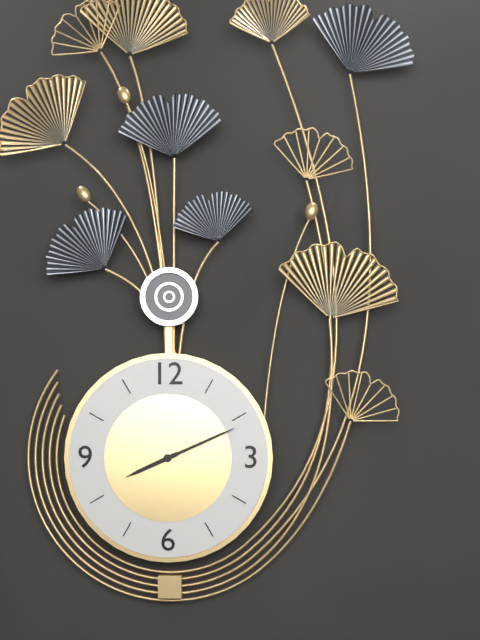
8h11
